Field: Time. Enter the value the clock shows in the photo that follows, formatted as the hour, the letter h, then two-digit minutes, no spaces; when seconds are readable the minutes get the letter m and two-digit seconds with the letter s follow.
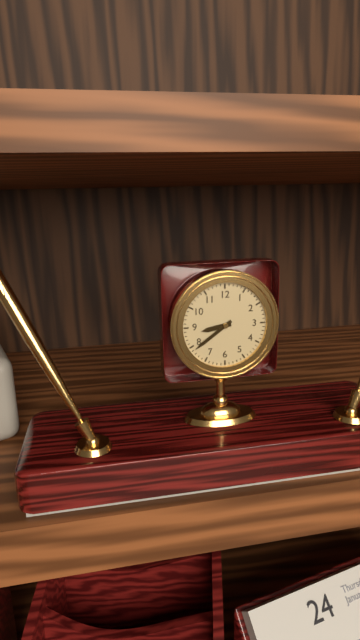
8h39
